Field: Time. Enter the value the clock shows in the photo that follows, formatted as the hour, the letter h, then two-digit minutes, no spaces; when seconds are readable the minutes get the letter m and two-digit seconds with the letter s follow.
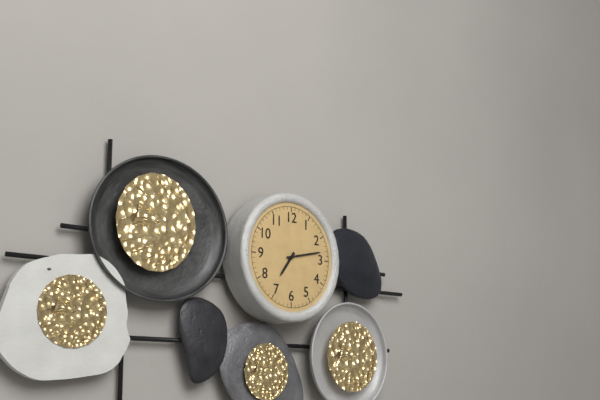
7h13
